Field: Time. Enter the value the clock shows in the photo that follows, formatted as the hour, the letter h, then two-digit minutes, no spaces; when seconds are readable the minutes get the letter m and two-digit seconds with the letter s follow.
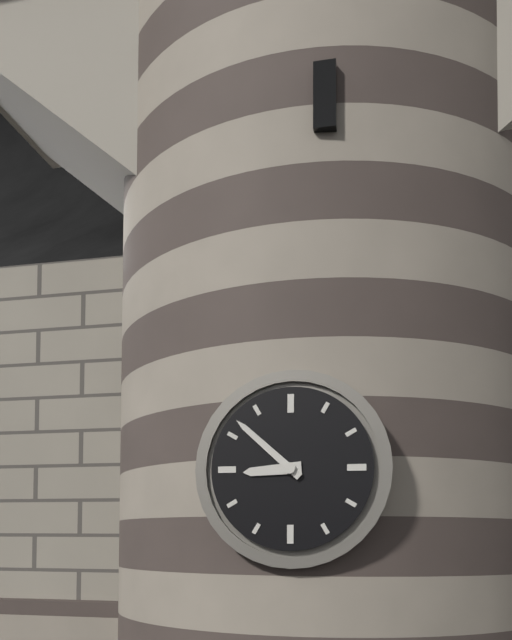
8h52
